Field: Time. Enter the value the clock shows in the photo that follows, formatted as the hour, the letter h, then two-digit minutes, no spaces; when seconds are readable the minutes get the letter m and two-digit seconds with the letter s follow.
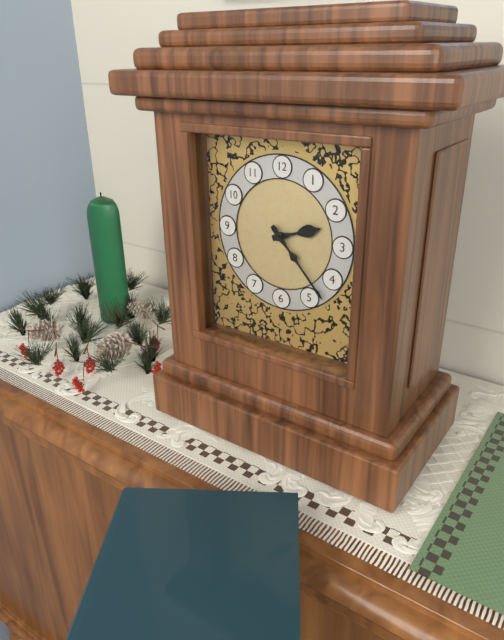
2h23
